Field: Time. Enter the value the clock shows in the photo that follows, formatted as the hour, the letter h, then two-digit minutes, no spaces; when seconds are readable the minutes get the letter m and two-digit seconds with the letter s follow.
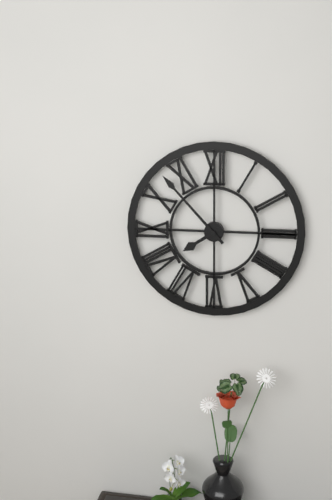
7h53
